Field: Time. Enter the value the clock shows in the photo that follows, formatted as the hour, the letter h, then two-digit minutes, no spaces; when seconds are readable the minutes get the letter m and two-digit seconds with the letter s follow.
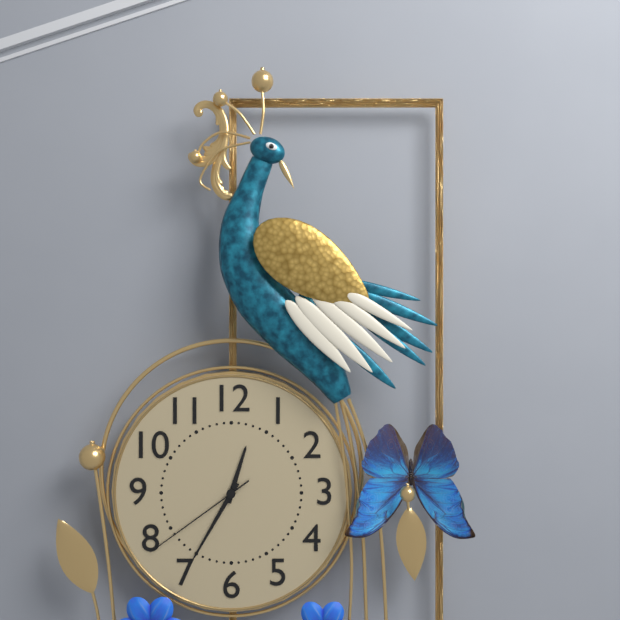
12h35m39s
